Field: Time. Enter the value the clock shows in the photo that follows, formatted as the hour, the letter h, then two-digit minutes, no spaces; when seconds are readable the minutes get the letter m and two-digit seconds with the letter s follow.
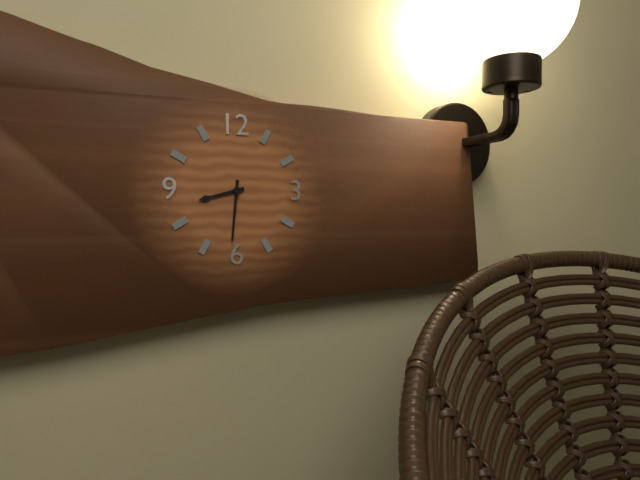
8h31
